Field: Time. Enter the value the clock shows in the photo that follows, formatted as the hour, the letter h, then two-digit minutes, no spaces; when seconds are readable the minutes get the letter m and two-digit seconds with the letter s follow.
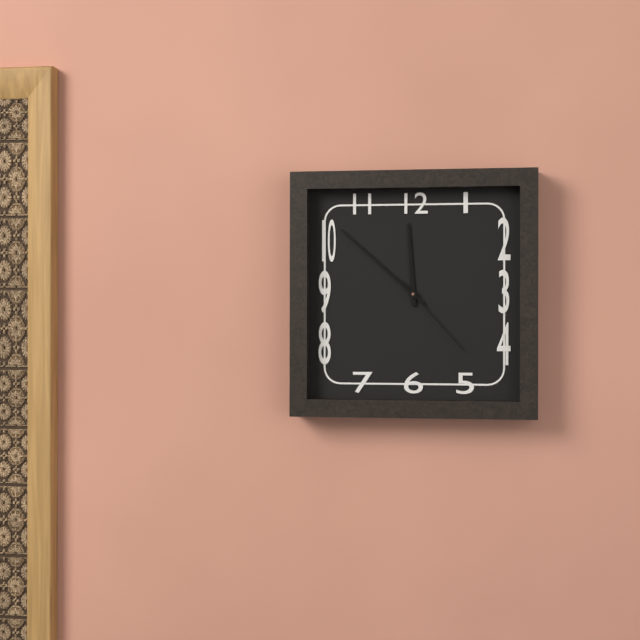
11h52m23s
